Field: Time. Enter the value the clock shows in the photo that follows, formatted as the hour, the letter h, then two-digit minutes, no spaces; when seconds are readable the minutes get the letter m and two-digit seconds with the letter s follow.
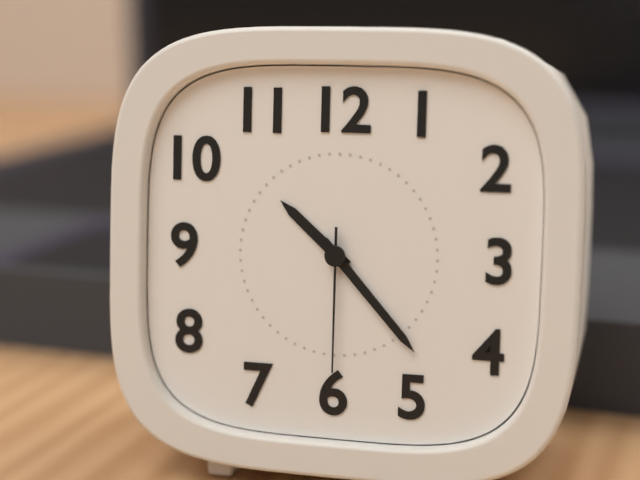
10h23m30s
